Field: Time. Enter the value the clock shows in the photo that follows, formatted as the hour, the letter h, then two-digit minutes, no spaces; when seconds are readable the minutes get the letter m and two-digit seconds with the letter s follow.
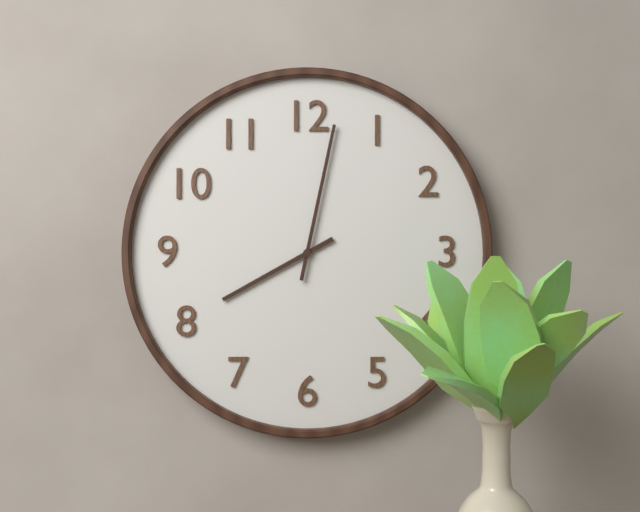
8h02
